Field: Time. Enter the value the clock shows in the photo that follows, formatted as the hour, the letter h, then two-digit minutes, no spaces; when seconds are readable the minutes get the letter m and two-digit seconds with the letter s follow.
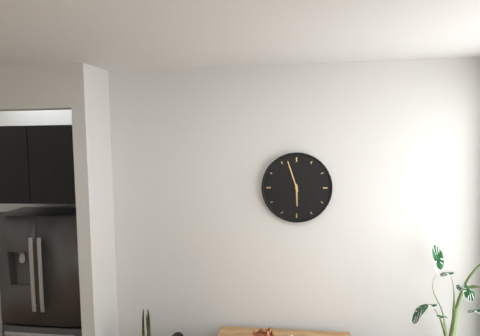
5h57
